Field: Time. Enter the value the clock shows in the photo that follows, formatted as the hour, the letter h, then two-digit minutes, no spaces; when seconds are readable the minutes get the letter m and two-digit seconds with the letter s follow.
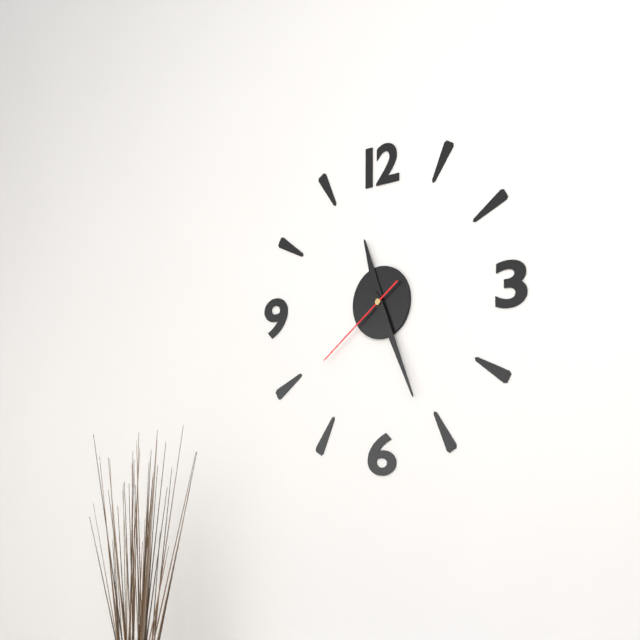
11h26m39s
